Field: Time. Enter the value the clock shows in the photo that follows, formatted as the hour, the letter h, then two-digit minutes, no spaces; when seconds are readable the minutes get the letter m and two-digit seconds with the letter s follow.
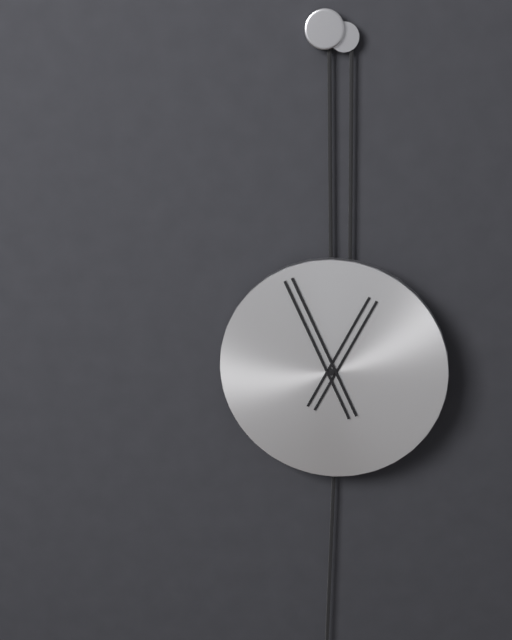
12h56
